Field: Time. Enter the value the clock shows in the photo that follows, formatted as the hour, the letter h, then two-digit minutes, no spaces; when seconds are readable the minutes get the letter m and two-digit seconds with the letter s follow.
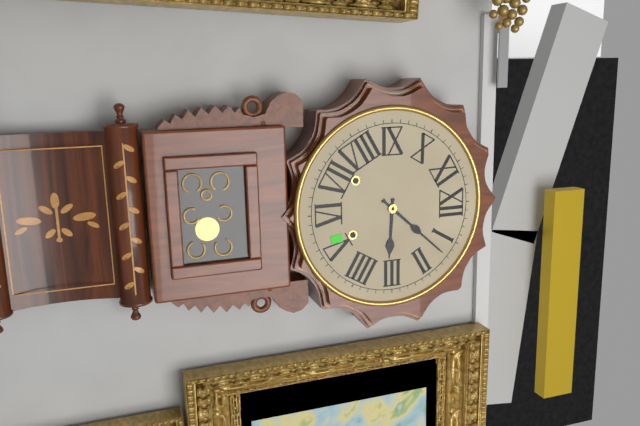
3h07
